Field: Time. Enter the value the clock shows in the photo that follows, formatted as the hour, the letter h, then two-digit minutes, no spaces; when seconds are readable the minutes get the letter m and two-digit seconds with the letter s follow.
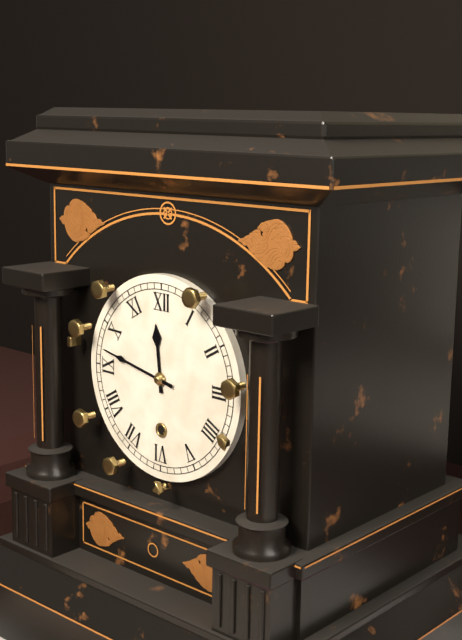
11h47
